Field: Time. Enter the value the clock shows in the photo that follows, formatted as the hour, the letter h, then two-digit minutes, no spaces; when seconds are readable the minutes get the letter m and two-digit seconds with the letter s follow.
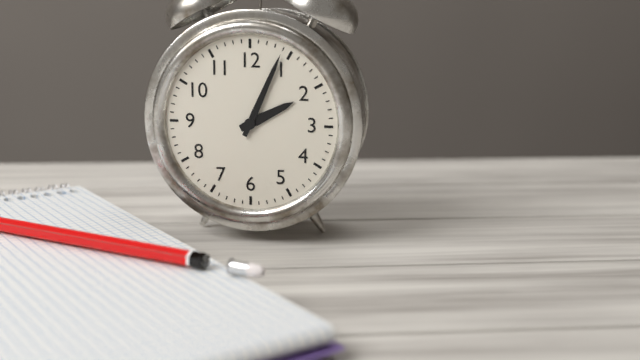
2h04
